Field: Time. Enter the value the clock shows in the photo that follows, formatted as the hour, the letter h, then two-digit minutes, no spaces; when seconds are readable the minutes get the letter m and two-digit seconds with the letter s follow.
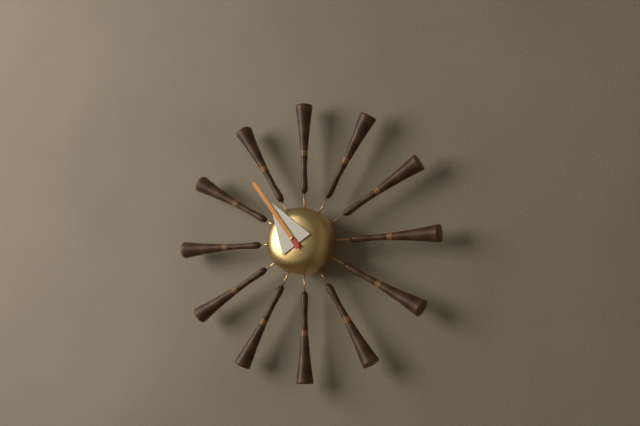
10h54
